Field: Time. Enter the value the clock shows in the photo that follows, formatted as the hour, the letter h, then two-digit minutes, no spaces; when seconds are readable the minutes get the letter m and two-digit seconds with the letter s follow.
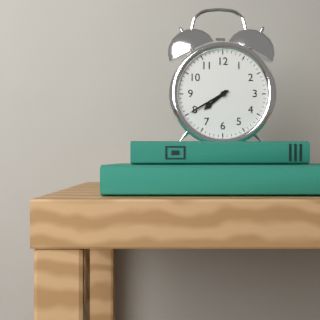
7h40
